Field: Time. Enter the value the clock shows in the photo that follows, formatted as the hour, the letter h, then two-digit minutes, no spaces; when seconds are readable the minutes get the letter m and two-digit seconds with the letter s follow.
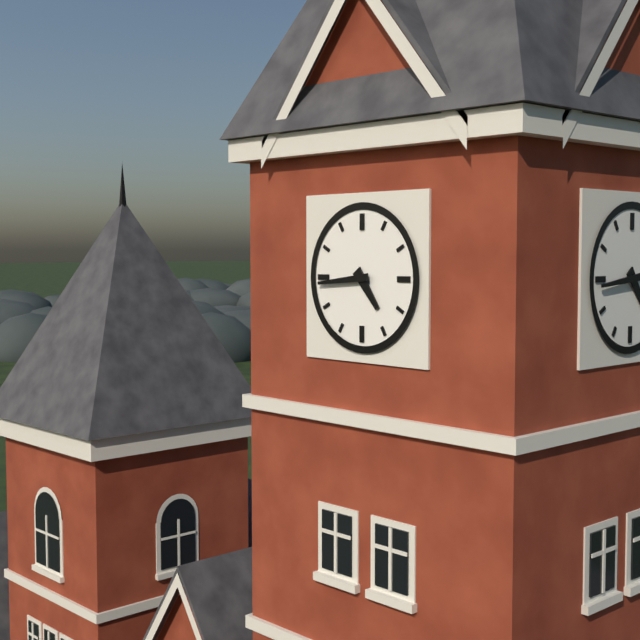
4h44
